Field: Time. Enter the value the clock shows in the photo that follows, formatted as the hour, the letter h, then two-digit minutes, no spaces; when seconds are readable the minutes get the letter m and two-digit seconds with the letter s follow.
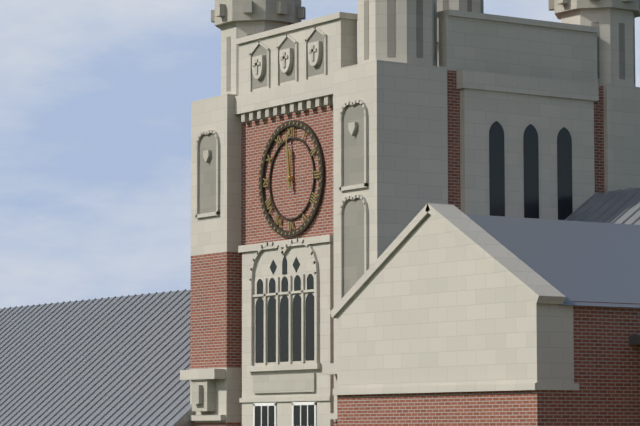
11h59
